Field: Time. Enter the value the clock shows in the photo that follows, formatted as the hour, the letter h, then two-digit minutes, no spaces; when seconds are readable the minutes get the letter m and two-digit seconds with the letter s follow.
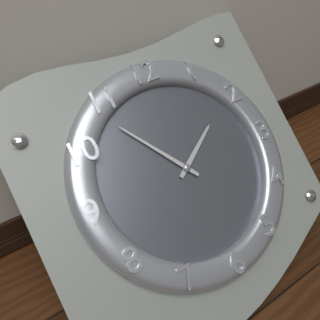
1h54
